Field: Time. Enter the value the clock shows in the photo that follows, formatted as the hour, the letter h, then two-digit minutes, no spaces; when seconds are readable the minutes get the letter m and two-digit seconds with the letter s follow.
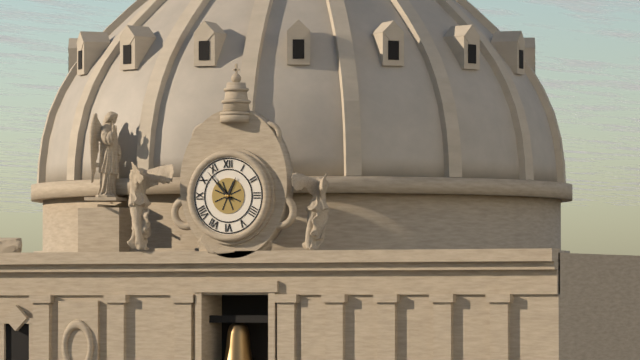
12h53
